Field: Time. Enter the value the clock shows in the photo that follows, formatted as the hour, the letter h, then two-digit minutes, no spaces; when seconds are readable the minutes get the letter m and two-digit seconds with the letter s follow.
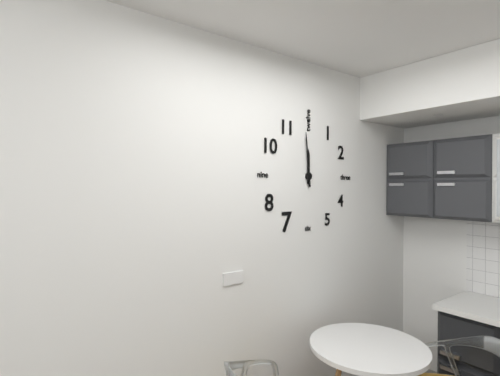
11h59
